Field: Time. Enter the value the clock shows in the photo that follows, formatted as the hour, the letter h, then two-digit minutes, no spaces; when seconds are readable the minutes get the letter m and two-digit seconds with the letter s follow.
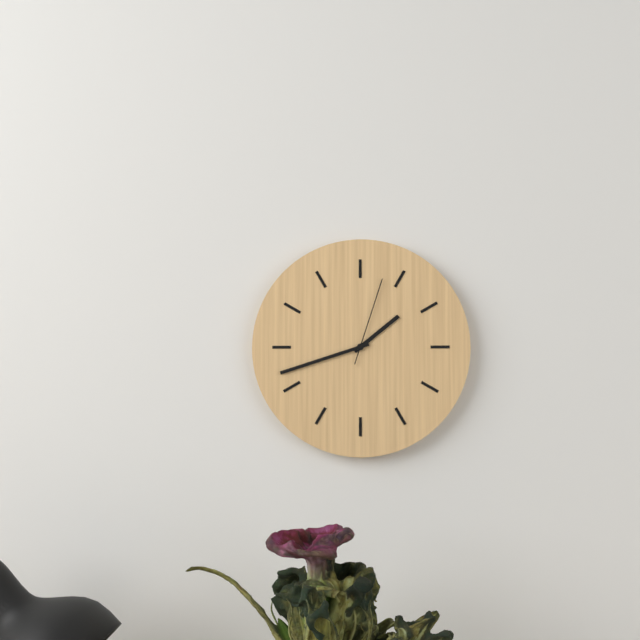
1h42m03s
